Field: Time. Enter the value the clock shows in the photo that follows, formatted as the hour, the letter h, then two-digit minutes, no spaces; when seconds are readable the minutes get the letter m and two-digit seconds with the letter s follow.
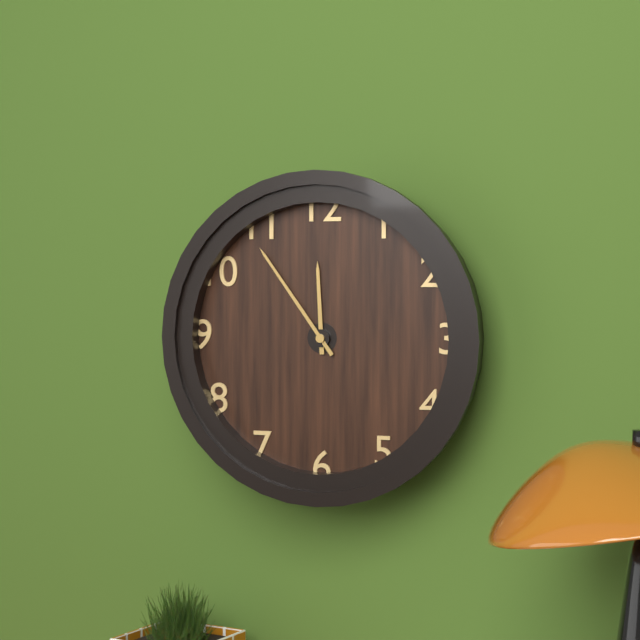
11h54
